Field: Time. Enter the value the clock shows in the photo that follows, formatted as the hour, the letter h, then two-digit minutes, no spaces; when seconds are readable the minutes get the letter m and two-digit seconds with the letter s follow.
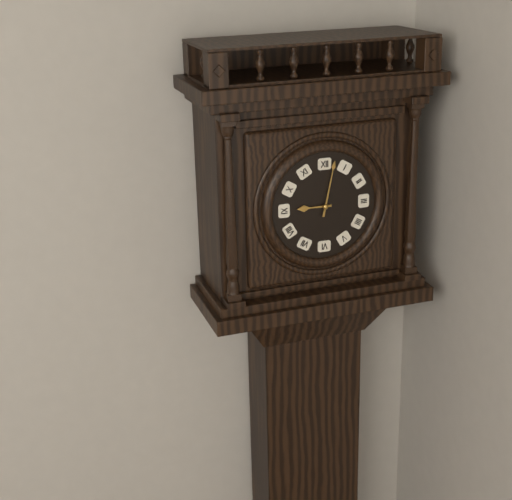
9h02
